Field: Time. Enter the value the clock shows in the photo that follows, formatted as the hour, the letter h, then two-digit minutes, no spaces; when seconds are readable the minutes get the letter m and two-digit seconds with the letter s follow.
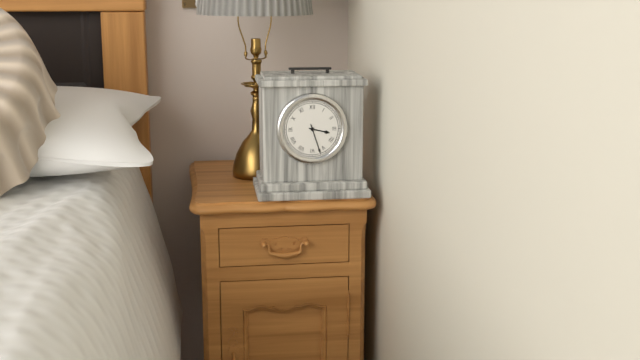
3h27
